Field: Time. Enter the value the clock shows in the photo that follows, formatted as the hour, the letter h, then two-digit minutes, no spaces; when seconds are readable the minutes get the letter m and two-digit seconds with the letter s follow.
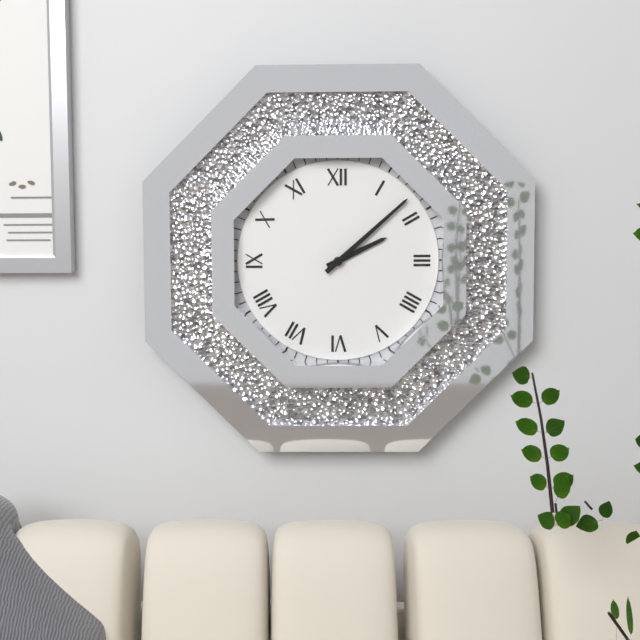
2h08
